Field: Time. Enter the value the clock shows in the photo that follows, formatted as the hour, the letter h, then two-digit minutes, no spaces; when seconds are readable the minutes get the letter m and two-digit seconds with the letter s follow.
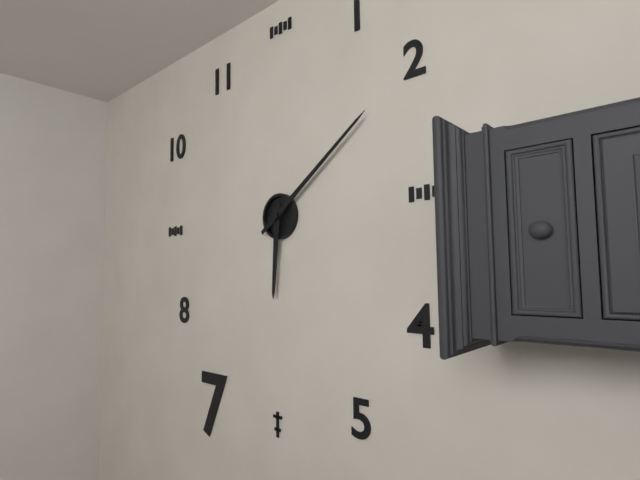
6h09
